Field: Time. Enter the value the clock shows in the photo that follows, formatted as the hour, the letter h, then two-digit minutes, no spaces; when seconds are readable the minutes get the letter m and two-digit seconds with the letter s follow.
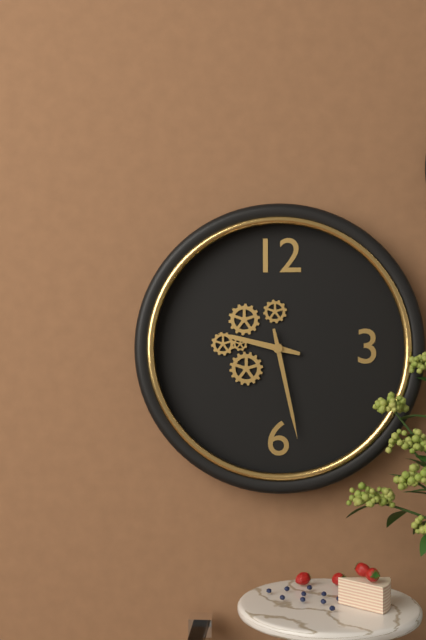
9h28
